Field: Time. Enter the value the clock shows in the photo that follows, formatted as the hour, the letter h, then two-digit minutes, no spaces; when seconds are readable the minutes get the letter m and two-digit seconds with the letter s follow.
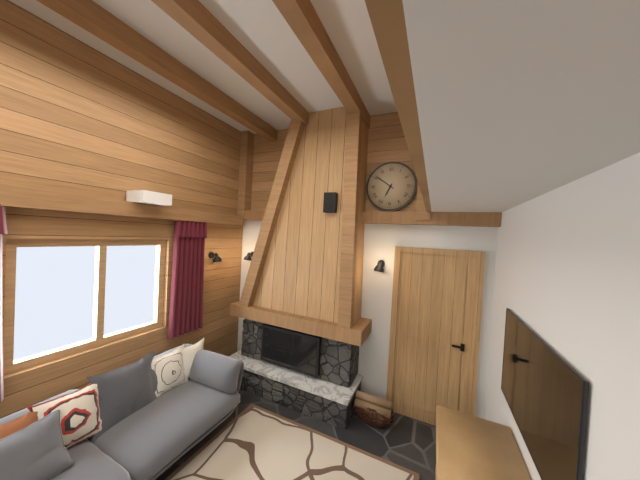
6h51
